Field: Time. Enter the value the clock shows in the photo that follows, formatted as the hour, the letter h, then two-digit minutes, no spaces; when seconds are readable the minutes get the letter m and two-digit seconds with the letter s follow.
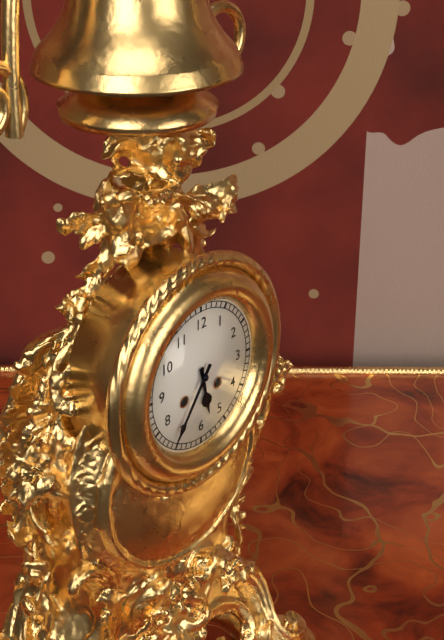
5h36
